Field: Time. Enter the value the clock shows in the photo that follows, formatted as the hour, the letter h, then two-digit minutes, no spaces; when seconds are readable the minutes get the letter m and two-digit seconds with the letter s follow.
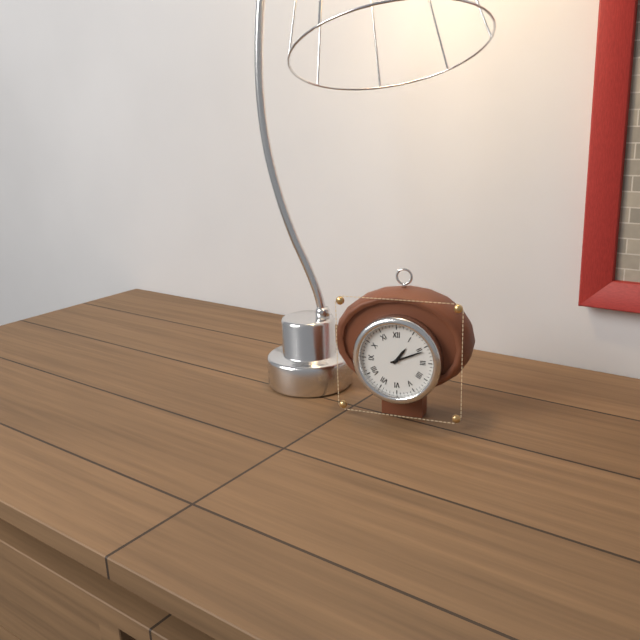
1h11
